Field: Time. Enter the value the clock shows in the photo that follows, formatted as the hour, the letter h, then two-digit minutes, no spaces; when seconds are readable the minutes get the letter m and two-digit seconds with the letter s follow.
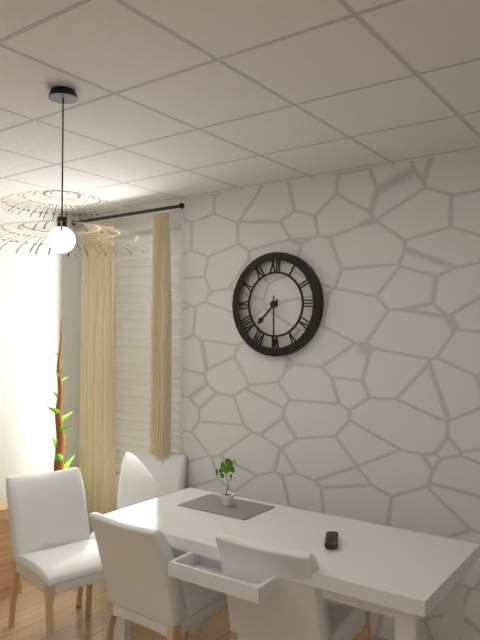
7h30
